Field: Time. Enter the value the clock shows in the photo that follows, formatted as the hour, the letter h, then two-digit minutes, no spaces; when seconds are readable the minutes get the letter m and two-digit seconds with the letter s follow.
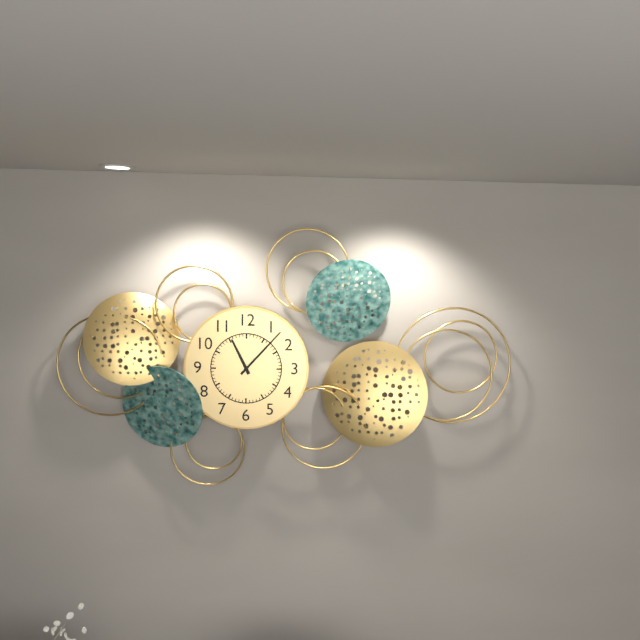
11h07
